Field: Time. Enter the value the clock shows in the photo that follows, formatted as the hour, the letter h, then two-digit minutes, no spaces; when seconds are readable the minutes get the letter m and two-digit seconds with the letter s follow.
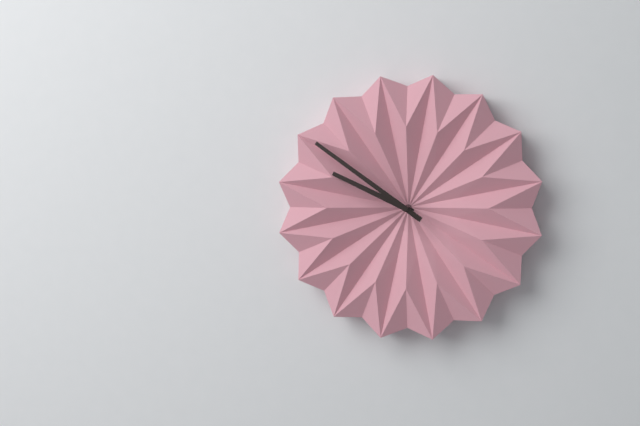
9h51
